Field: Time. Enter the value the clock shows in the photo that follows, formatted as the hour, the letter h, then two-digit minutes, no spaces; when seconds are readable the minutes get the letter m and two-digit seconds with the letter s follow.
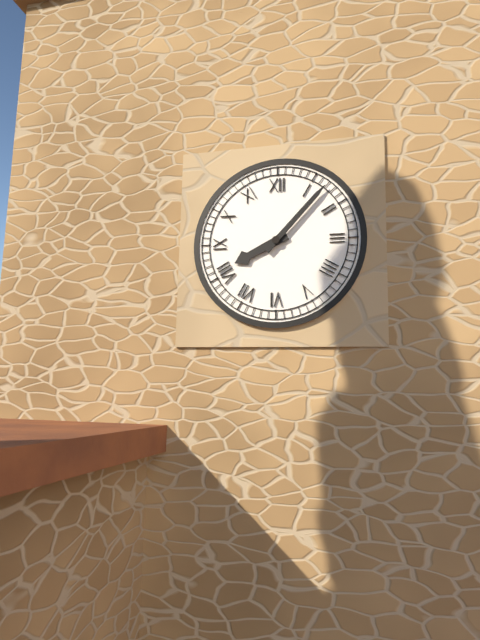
8h07
